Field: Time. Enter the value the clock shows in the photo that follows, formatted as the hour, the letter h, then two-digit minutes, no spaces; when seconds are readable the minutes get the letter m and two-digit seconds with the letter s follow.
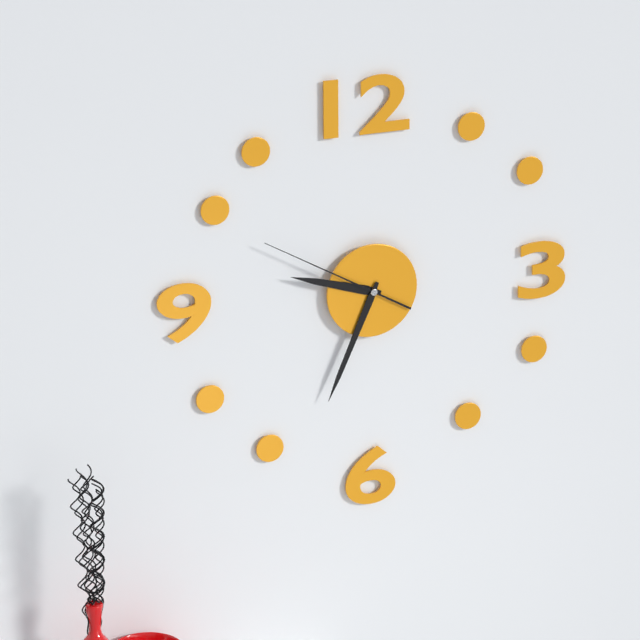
9h34m50s
